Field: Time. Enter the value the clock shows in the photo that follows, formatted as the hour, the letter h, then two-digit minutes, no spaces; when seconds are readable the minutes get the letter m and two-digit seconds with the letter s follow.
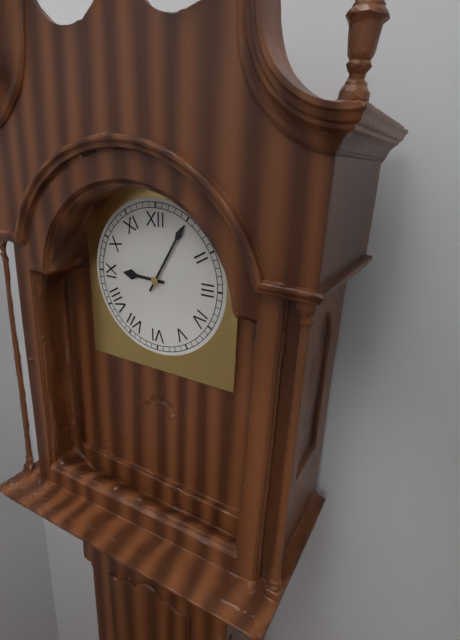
9h05
